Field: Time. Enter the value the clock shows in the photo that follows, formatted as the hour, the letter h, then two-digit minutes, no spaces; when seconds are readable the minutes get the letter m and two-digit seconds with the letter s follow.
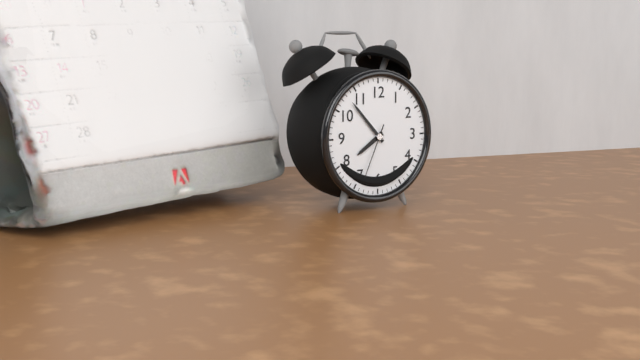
7h53m34s
